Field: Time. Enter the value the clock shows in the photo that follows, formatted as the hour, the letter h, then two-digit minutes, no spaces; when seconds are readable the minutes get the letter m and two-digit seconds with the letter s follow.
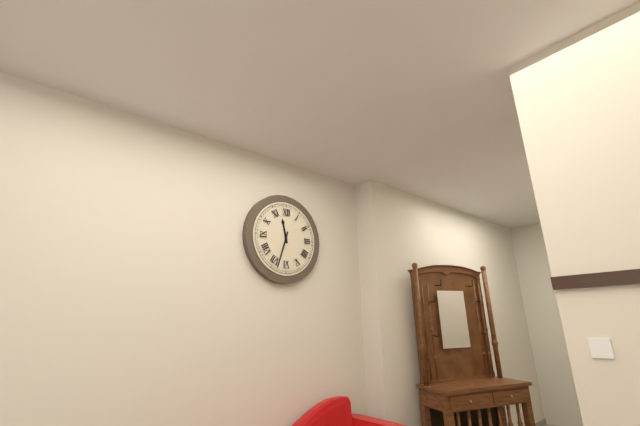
11h33
